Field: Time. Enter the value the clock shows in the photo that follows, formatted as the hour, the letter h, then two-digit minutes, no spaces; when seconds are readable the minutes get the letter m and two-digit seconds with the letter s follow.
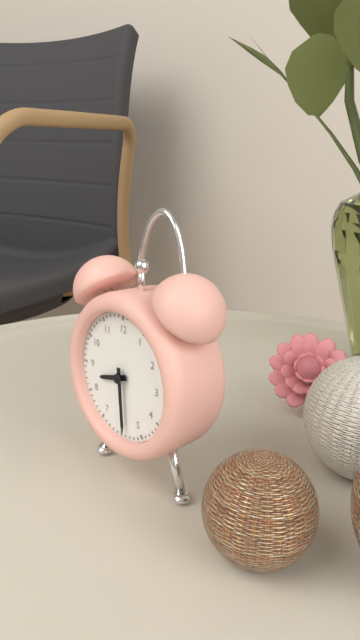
8h29
